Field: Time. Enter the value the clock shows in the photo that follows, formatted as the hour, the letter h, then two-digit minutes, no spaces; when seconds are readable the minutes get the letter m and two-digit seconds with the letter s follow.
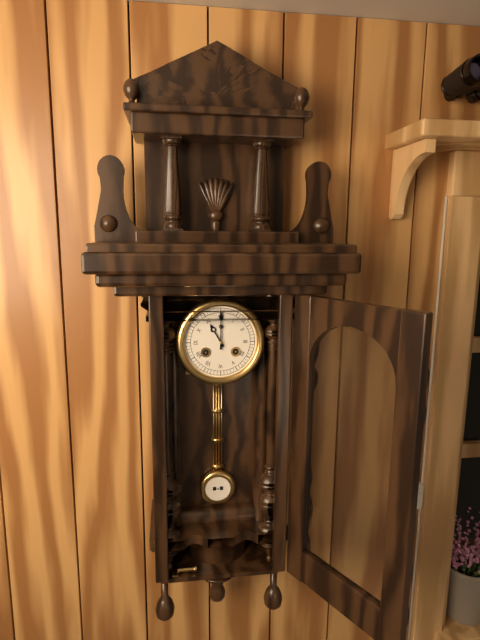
11h00
